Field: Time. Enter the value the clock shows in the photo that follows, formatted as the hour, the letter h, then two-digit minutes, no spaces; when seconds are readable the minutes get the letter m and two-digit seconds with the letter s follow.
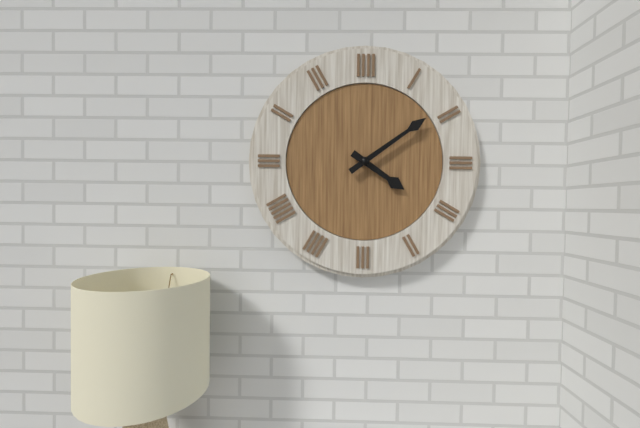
4h09
